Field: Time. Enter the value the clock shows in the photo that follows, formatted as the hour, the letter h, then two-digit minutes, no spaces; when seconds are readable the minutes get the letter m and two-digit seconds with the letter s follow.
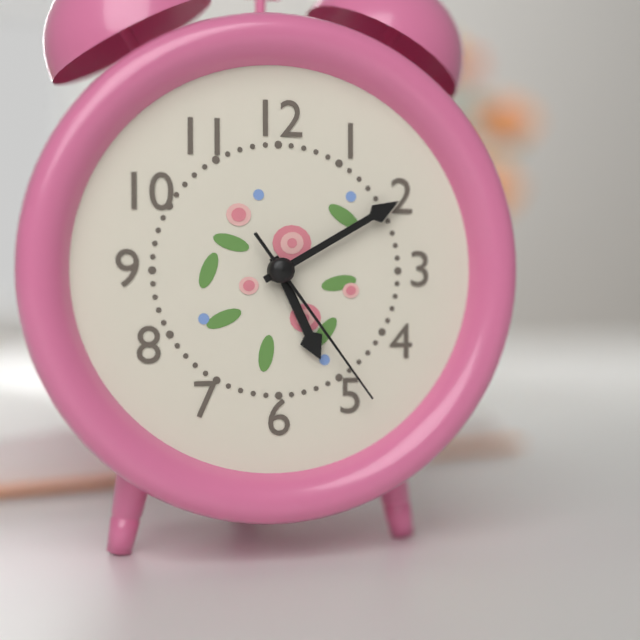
5h10m24s
